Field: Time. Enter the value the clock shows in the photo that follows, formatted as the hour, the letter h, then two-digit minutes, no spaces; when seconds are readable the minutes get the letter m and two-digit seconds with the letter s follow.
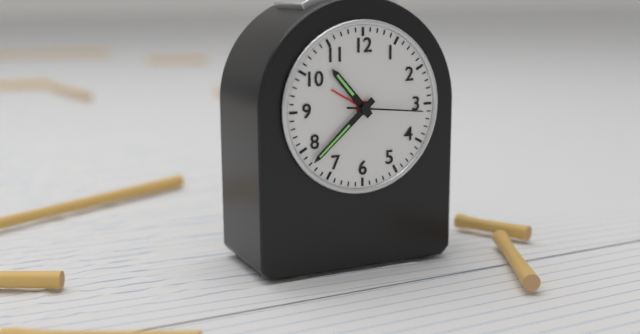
10h38m16s
